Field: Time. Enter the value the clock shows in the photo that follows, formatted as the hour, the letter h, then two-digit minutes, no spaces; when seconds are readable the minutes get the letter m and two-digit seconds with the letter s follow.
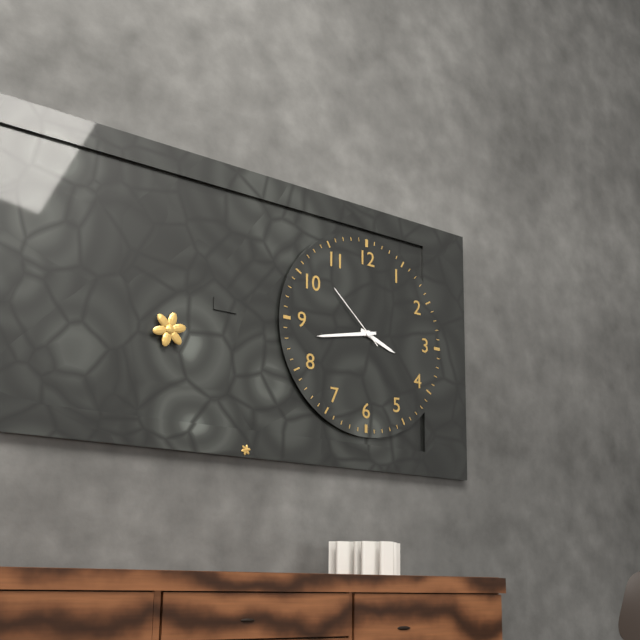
3h43m52s
